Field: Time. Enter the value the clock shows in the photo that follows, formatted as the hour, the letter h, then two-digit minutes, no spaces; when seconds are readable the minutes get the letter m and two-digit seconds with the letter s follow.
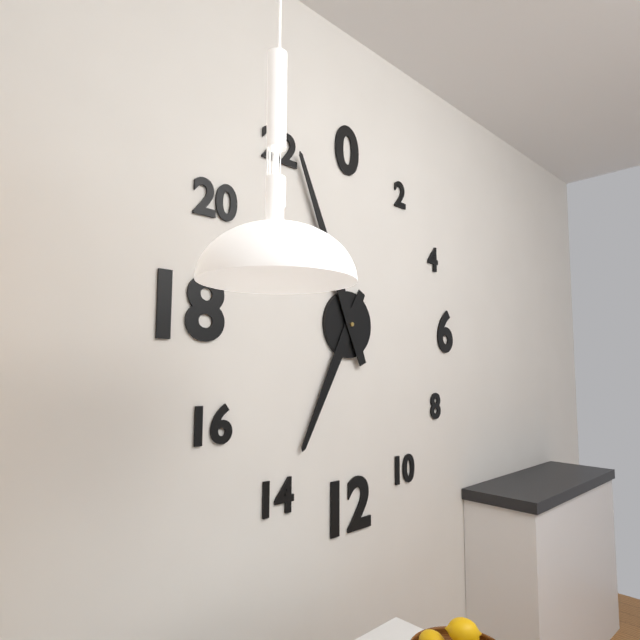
6h56
